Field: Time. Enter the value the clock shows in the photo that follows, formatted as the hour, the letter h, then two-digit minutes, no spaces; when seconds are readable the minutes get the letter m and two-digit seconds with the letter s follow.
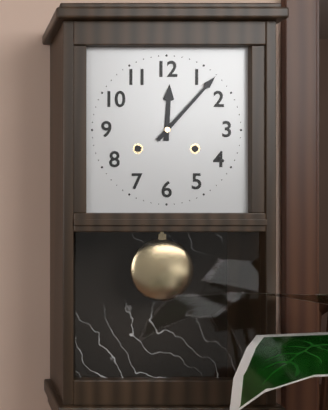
12h07
